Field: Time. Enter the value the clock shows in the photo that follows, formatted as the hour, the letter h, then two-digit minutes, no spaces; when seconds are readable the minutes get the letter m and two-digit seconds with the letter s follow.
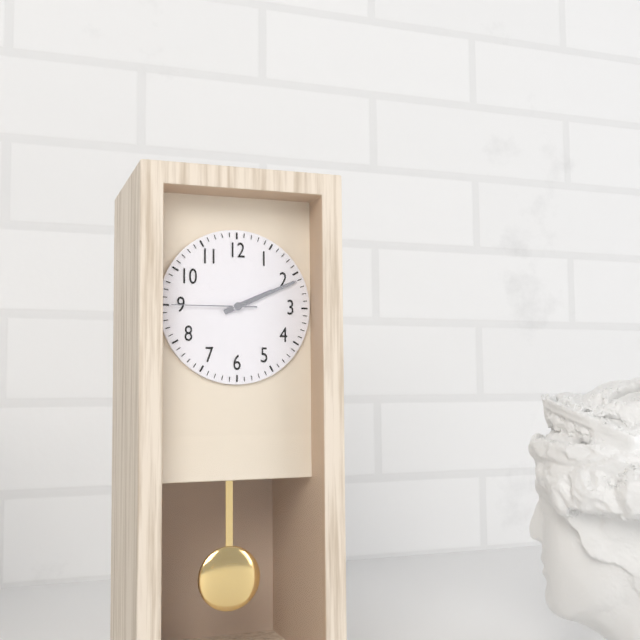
2h11m45s
